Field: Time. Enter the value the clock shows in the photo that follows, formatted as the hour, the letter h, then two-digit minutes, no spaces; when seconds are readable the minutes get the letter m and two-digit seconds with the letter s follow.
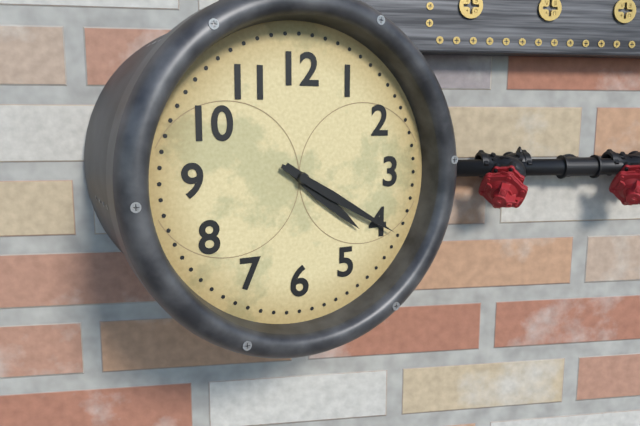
4h20
